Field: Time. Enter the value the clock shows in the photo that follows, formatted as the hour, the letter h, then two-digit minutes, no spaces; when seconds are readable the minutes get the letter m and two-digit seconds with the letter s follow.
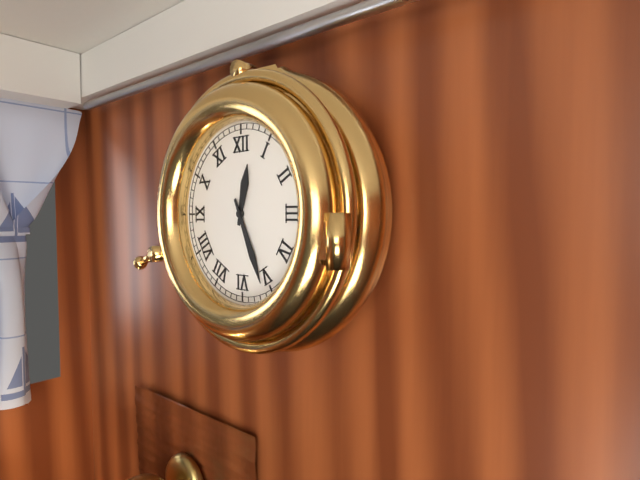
12h26
